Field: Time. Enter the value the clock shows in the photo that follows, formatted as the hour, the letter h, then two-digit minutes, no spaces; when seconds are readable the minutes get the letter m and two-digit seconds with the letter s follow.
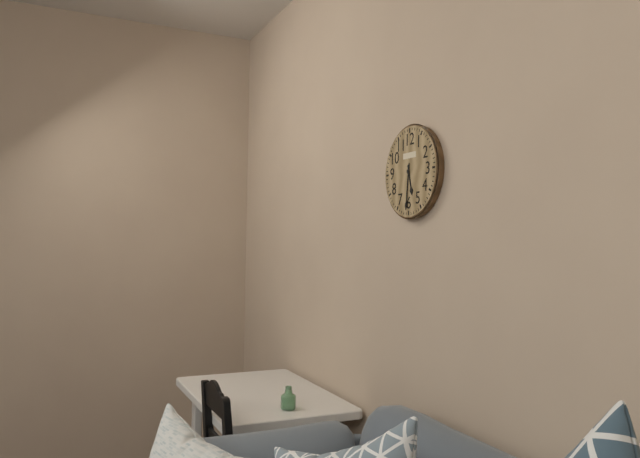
5h31
